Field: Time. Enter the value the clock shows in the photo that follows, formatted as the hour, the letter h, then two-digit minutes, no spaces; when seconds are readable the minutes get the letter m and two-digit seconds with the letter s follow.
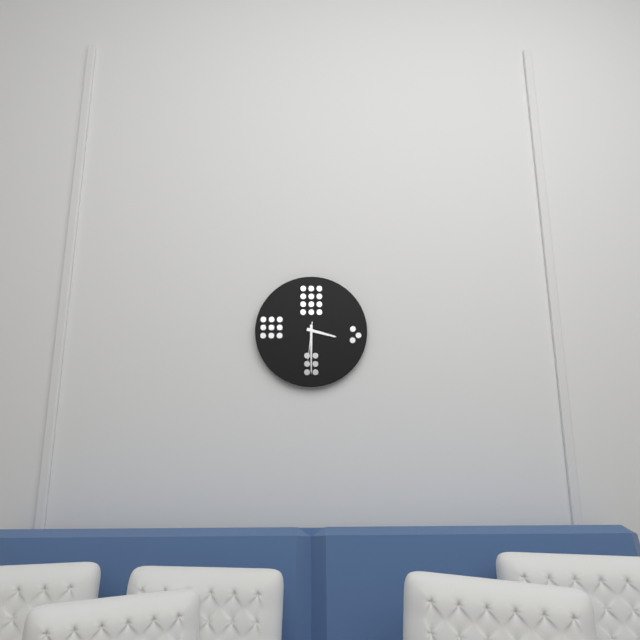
3h30
